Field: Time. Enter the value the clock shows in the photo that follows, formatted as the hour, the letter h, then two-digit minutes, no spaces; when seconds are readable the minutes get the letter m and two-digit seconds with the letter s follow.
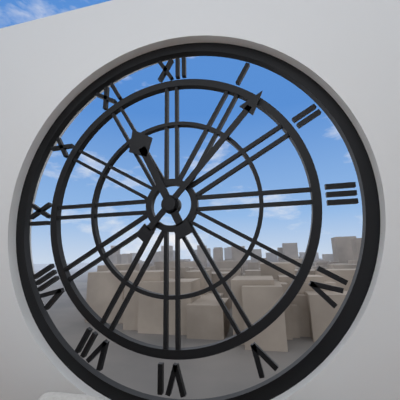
11h07
